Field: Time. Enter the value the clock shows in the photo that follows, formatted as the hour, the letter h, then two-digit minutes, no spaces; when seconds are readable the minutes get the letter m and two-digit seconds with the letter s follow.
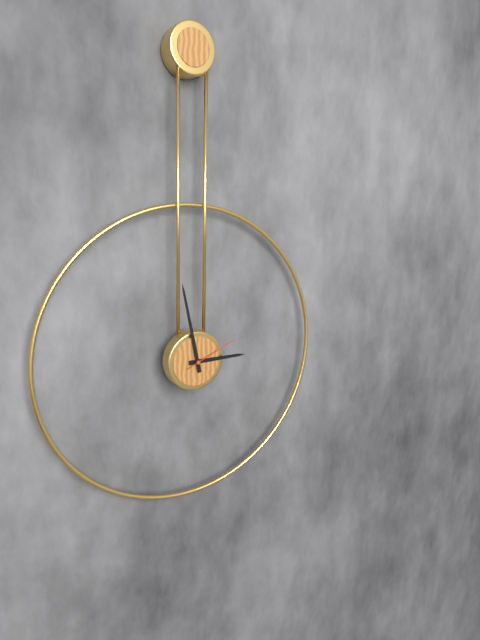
2h58m11s
